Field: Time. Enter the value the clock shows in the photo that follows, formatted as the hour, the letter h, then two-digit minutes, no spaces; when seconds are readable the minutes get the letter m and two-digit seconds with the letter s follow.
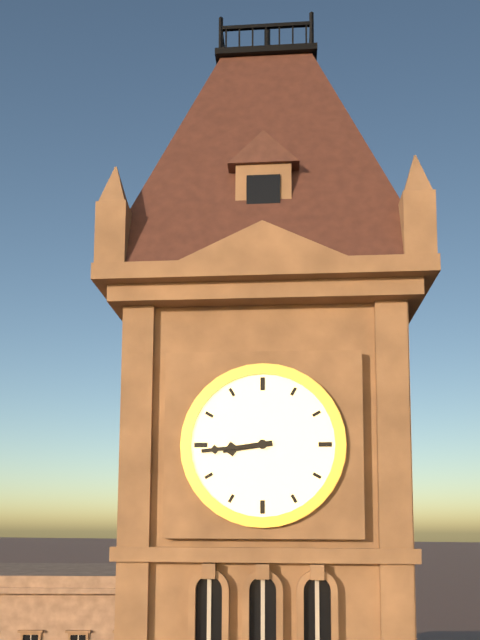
8h44
